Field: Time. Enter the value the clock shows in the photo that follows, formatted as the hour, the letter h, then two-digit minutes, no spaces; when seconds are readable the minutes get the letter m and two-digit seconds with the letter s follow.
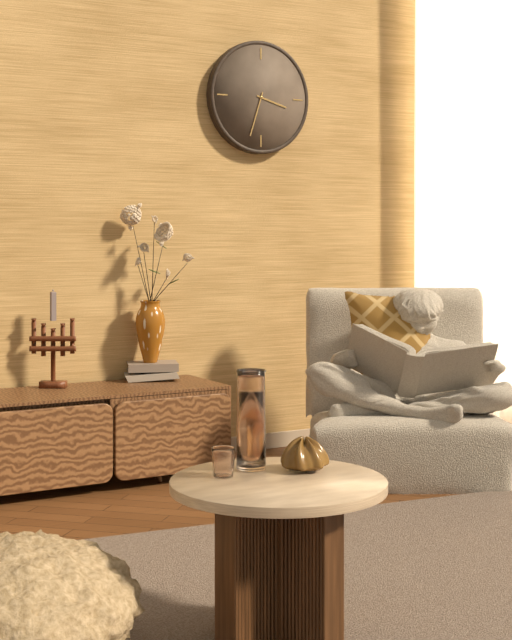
3h33
